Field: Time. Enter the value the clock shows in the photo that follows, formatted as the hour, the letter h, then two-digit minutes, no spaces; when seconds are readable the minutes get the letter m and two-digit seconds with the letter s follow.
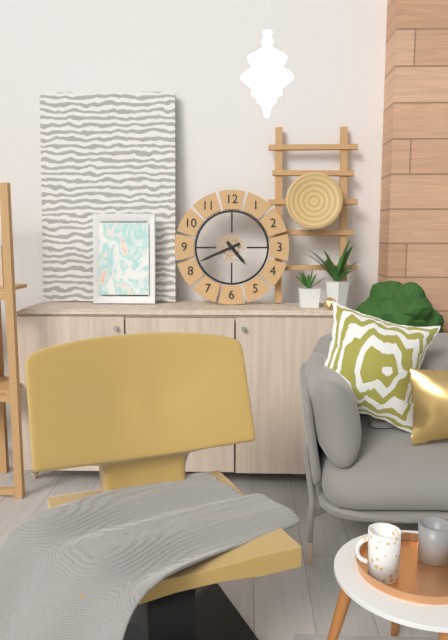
4h41
